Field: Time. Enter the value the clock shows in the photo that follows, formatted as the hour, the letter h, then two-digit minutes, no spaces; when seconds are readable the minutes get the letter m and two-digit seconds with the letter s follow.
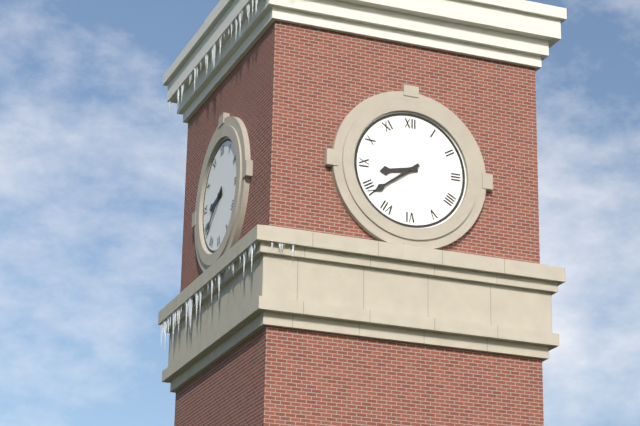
8h39
